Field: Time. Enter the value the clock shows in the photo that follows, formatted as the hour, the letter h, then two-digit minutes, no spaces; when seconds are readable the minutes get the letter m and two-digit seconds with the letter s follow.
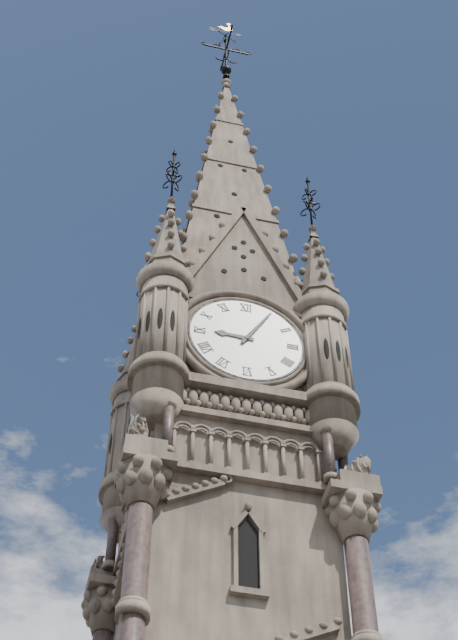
9h05
